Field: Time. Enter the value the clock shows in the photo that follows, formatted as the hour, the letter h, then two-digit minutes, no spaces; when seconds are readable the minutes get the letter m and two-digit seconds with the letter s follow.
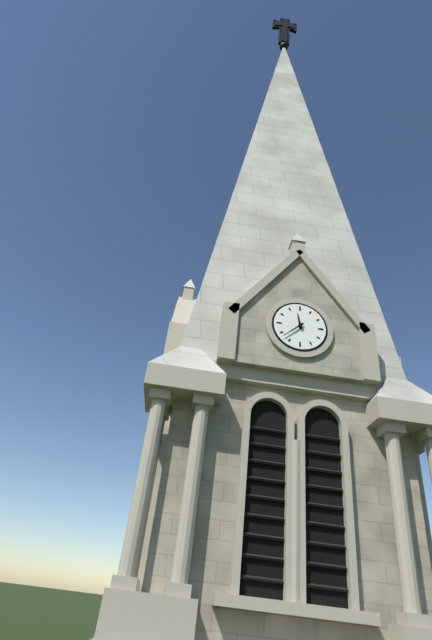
11h38
